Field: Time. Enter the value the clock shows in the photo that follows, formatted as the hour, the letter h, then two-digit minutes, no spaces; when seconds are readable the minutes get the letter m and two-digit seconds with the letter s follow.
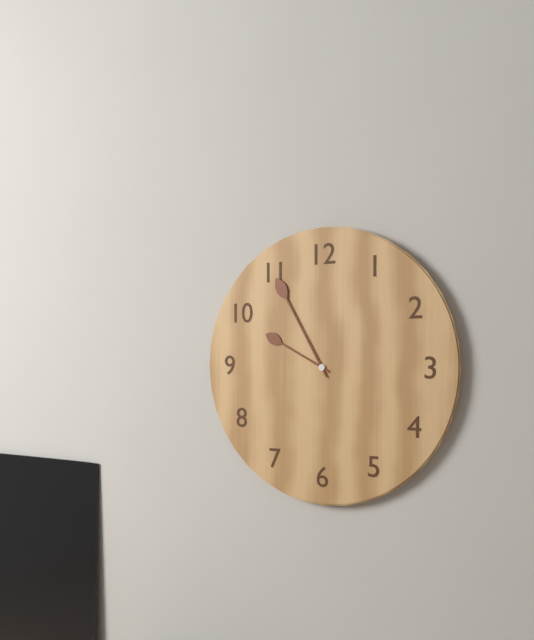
9h55
